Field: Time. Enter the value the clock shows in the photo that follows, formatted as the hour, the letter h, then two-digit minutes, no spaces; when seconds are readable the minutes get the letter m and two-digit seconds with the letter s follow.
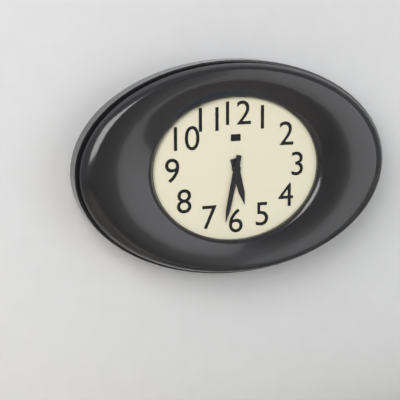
5h32
